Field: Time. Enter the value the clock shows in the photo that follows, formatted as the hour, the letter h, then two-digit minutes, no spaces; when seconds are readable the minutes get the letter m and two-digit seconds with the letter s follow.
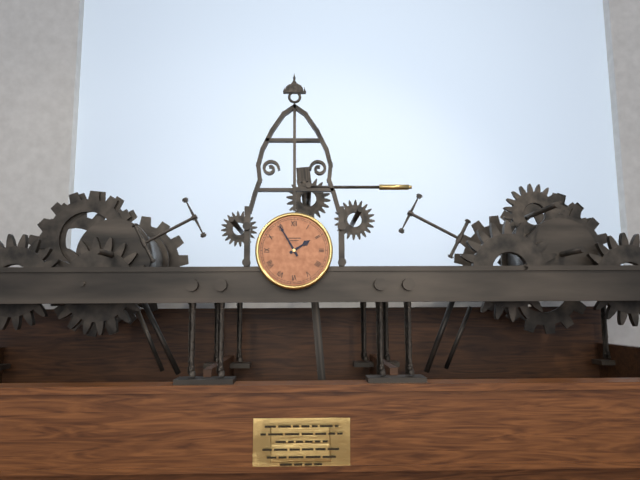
1h55
